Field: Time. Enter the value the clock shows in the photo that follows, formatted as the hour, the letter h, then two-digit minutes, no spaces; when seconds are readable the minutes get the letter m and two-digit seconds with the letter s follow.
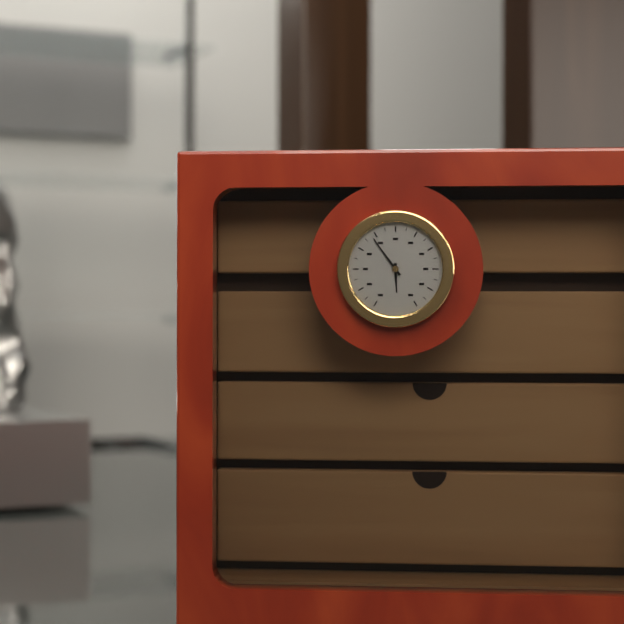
5h54
